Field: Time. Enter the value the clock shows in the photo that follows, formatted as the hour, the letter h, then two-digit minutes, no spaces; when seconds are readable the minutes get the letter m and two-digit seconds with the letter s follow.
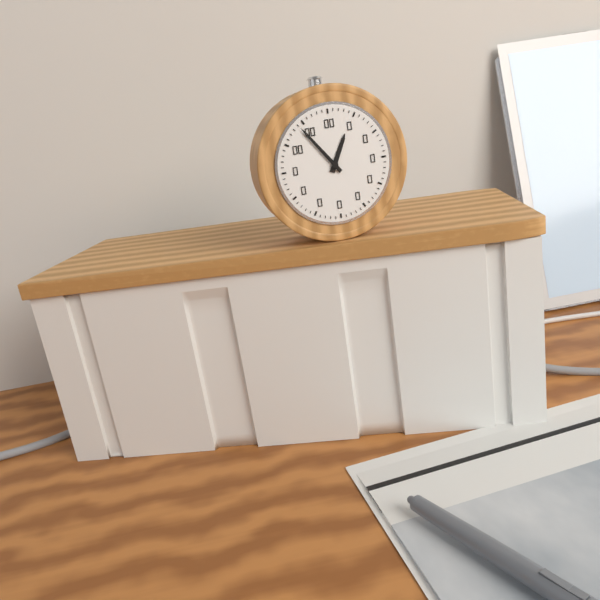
12h54
